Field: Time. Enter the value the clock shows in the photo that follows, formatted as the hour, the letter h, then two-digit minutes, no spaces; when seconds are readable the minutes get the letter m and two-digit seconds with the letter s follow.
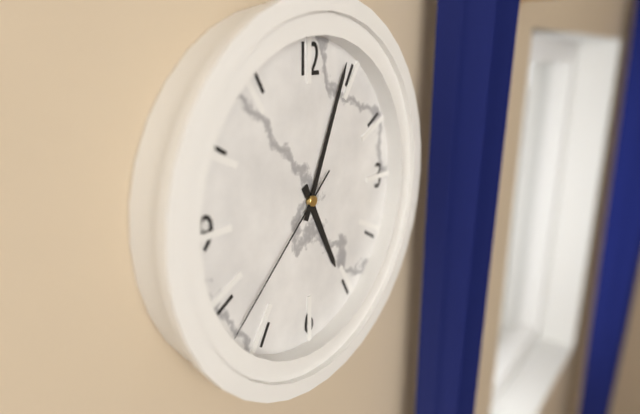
5h04m38s
